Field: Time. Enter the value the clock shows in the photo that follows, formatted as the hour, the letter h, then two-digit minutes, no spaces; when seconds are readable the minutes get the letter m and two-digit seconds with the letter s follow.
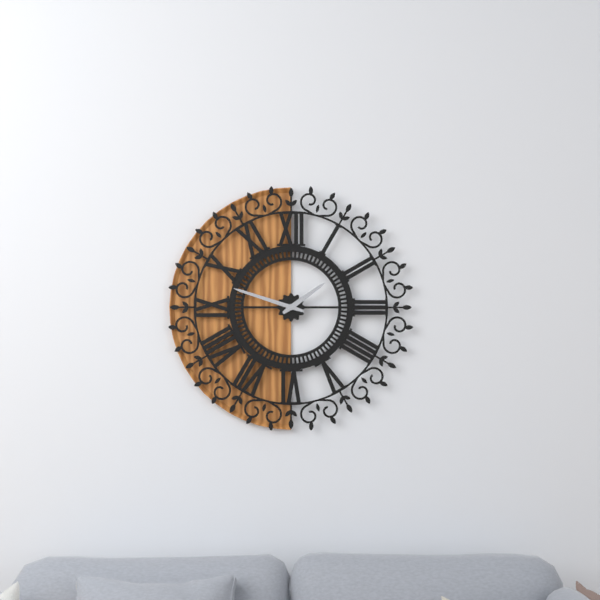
1h48
